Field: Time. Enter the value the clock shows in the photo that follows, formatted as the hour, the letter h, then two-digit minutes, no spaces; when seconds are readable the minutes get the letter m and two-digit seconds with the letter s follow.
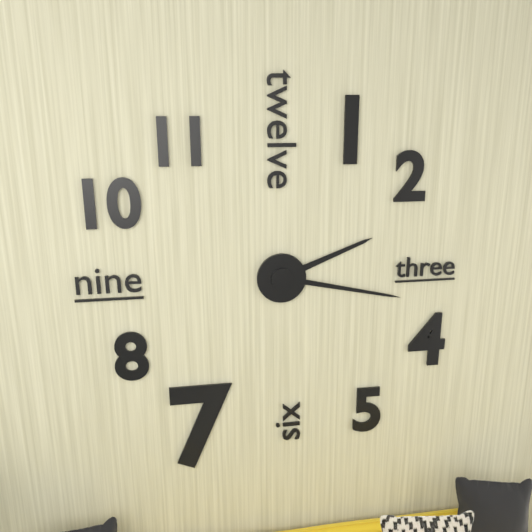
2h17
